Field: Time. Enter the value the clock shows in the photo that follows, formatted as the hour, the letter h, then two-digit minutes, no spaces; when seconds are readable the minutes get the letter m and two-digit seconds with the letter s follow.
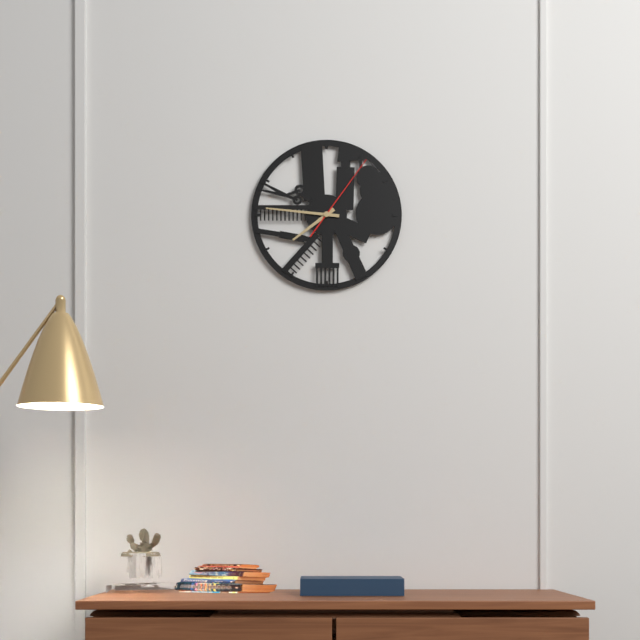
7h46m06s
